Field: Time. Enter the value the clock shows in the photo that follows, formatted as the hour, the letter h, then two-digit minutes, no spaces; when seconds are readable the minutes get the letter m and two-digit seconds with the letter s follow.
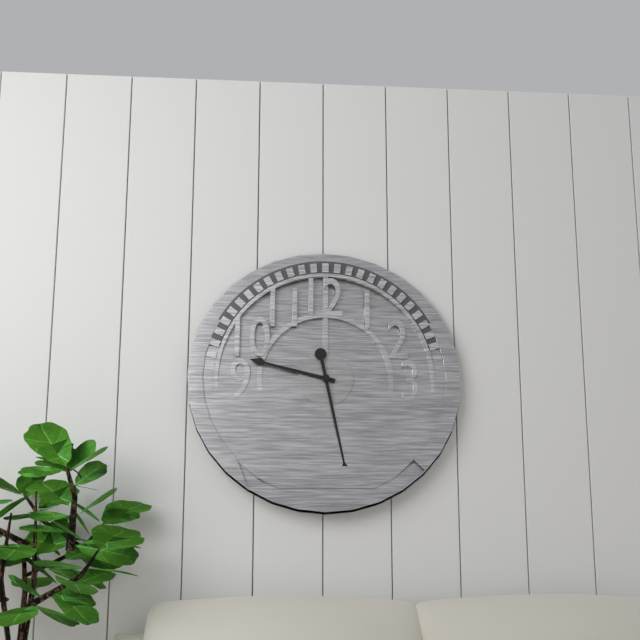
9h28
